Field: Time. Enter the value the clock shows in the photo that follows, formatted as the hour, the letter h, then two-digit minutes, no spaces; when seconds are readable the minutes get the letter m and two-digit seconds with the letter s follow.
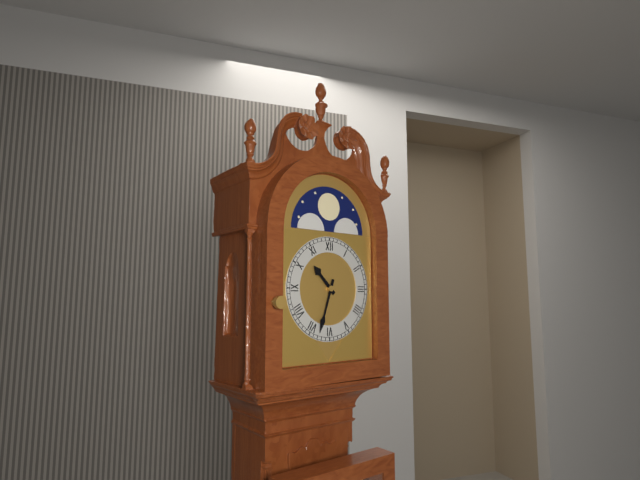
10h33
